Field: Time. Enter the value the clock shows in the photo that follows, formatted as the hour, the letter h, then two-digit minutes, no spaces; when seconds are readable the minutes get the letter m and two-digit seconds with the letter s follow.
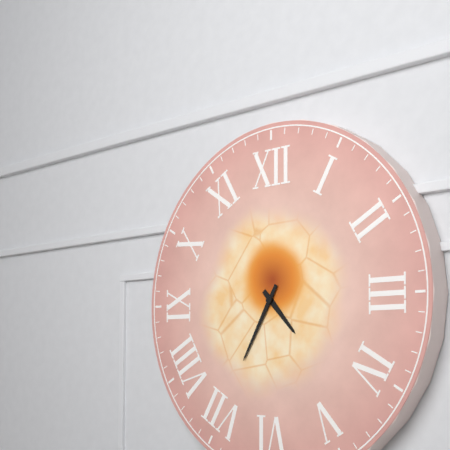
4h35
